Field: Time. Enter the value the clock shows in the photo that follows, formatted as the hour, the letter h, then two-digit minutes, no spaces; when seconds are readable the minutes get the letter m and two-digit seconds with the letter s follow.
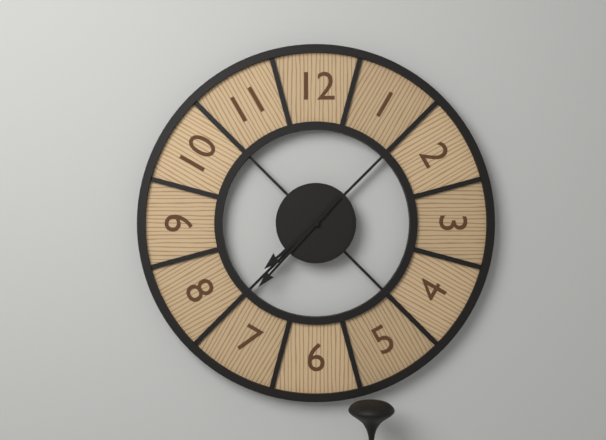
7h37
